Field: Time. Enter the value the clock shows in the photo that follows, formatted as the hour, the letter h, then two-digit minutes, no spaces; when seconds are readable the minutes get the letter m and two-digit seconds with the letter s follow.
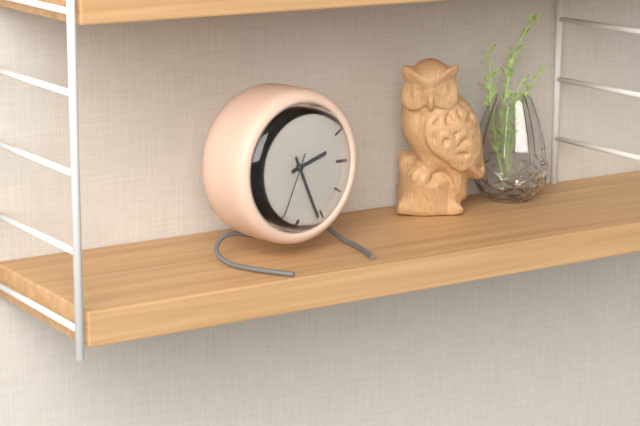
2h26m34s
